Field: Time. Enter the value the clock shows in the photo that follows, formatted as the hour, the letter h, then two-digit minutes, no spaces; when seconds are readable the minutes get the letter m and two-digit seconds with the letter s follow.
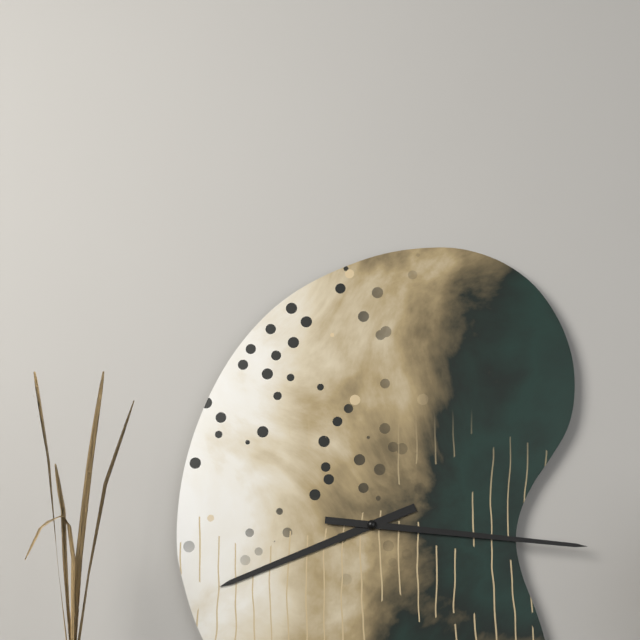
8h16
